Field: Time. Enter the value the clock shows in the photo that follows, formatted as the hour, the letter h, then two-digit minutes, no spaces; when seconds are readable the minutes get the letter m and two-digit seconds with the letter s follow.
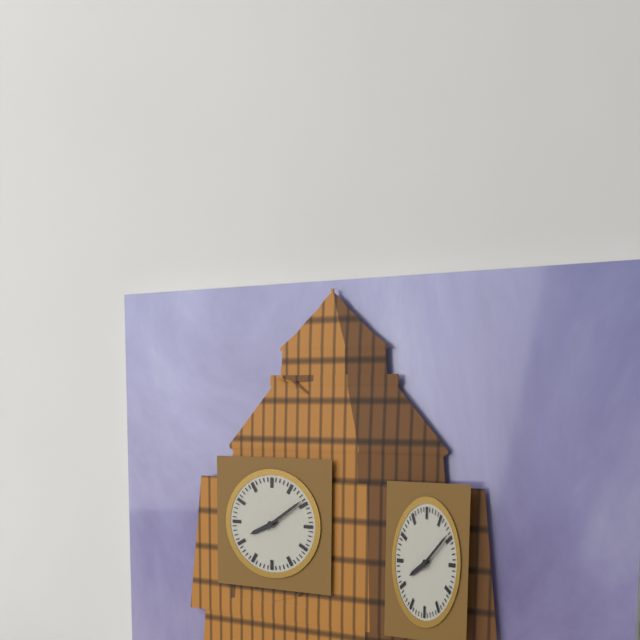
8h09
